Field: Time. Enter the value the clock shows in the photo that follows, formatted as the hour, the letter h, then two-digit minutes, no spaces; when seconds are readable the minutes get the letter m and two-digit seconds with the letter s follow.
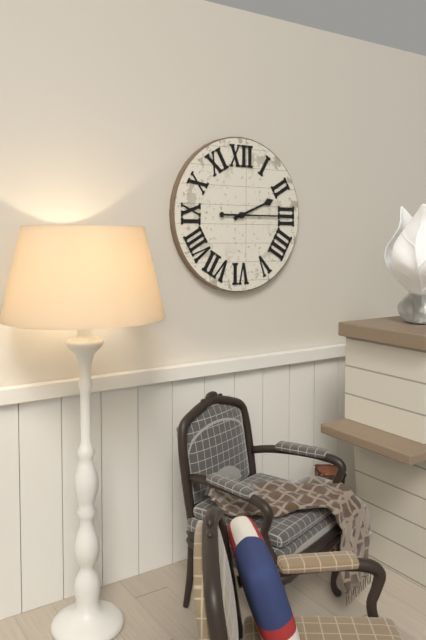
2h15
